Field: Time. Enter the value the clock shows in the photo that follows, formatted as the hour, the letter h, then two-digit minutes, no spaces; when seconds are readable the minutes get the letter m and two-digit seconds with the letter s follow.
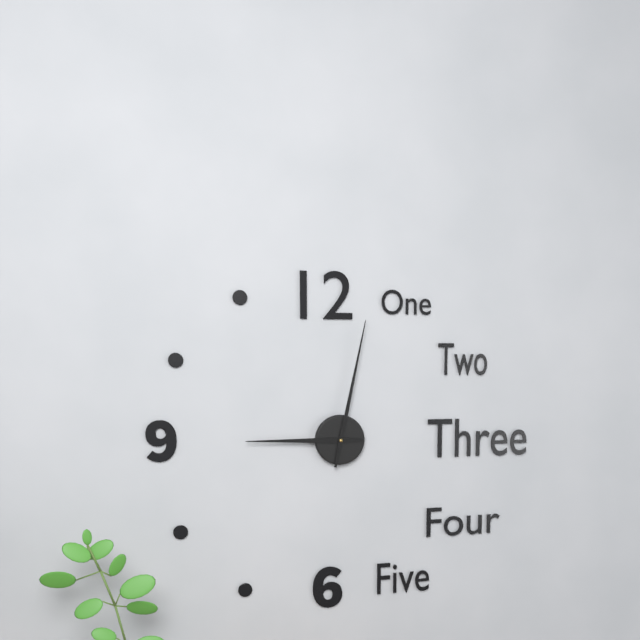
9h02
